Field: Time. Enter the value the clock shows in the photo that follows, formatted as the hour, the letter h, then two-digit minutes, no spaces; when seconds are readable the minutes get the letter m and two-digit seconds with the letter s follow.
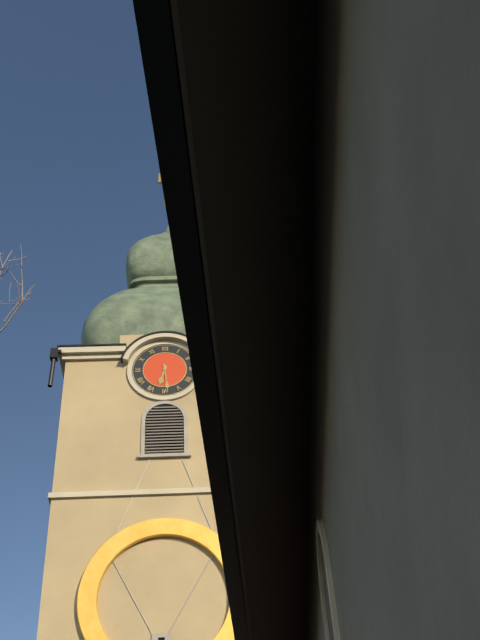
6h29
